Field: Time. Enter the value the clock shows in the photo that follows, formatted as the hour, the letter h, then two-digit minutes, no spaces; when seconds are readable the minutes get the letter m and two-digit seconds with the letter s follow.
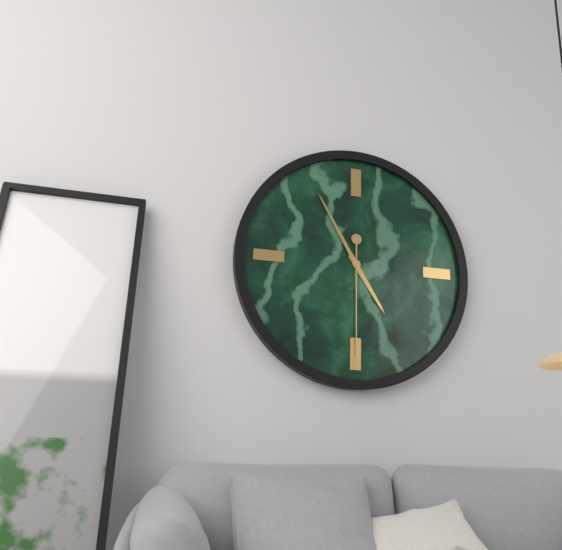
4h55m30s
